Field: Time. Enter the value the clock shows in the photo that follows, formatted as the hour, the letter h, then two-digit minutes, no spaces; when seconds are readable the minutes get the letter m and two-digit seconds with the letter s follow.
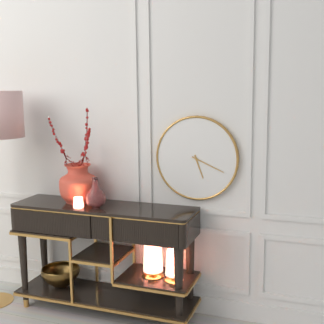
5h19
